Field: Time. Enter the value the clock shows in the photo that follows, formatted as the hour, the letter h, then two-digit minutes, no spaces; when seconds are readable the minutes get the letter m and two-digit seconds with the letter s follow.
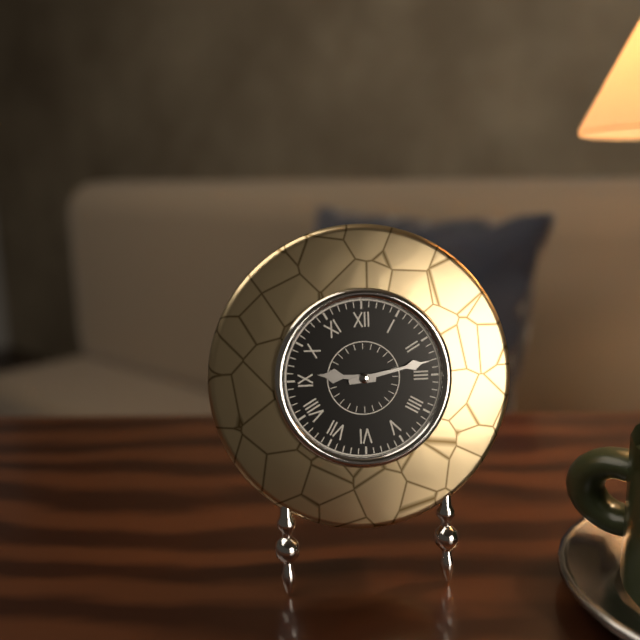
9h13
